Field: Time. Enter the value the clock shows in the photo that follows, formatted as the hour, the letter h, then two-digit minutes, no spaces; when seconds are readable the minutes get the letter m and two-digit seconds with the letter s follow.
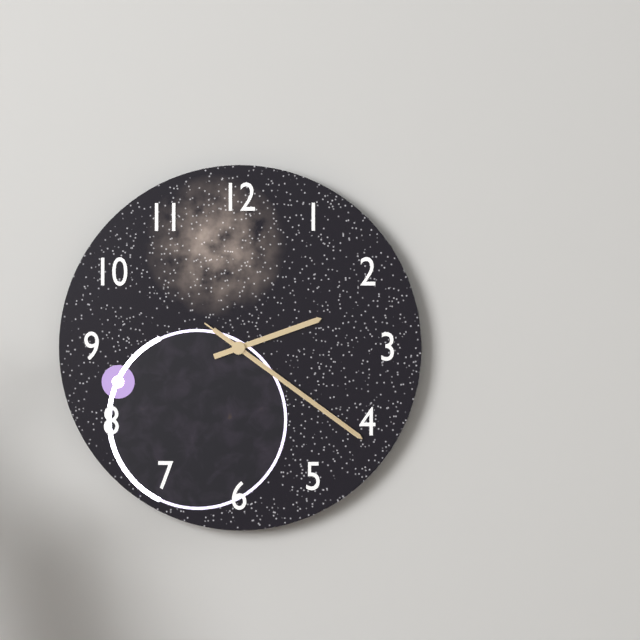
2h21m21s
